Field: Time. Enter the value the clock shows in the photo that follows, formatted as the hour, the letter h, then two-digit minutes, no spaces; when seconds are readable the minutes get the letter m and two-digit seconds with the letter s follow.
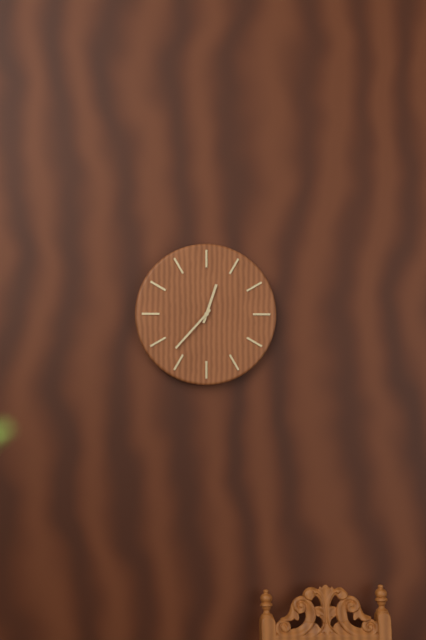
12h37
